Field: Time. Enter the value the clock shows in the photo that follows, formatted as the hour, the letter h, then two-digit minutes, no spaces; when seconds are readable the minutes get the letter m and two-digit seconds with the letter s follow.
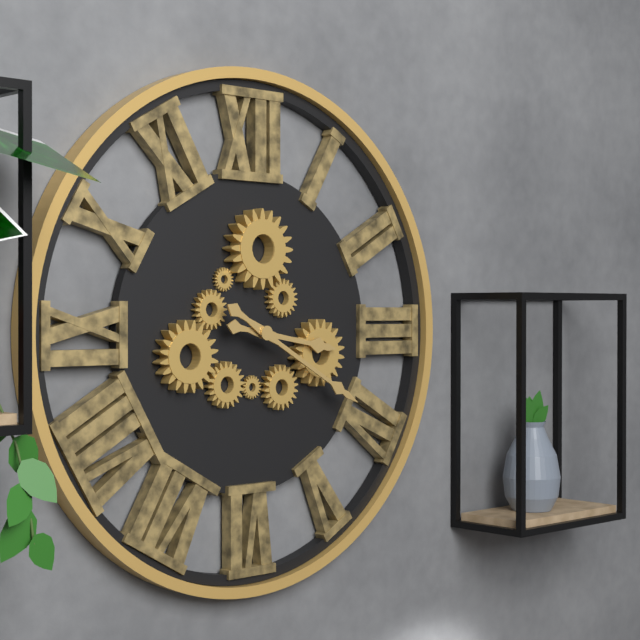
3h20
